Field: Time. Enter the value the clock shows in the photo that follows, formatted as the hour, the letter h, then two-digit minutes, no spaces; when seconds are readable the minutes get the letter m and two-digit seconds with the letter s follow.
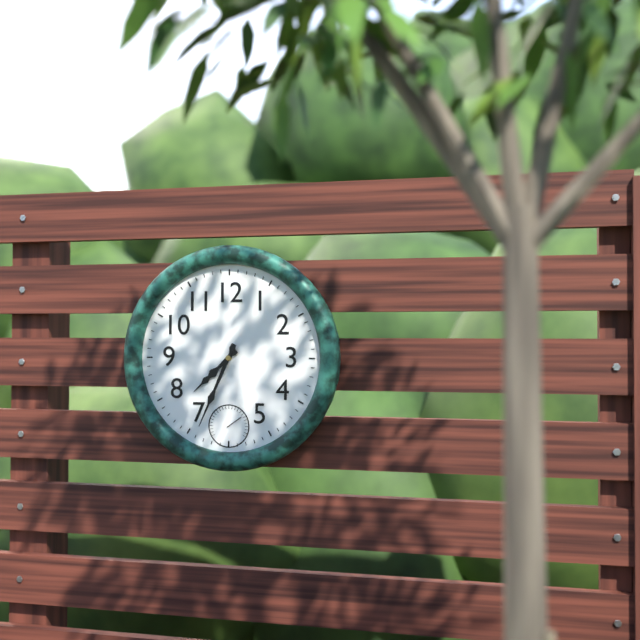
7h34
